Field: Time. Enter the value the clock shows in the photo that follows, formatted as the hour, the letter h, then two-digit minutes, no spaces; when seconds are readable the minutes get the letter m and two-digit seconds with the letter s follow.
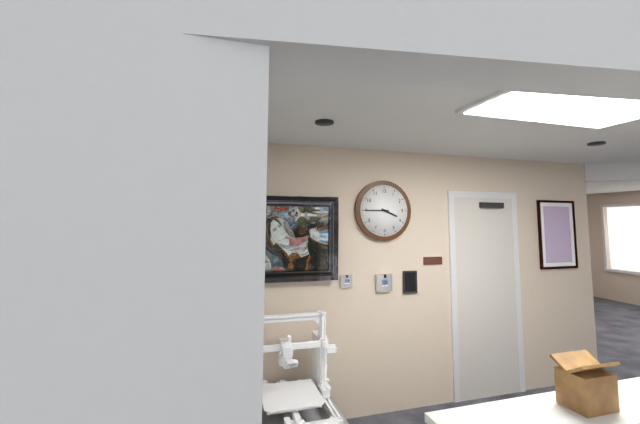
3h45
